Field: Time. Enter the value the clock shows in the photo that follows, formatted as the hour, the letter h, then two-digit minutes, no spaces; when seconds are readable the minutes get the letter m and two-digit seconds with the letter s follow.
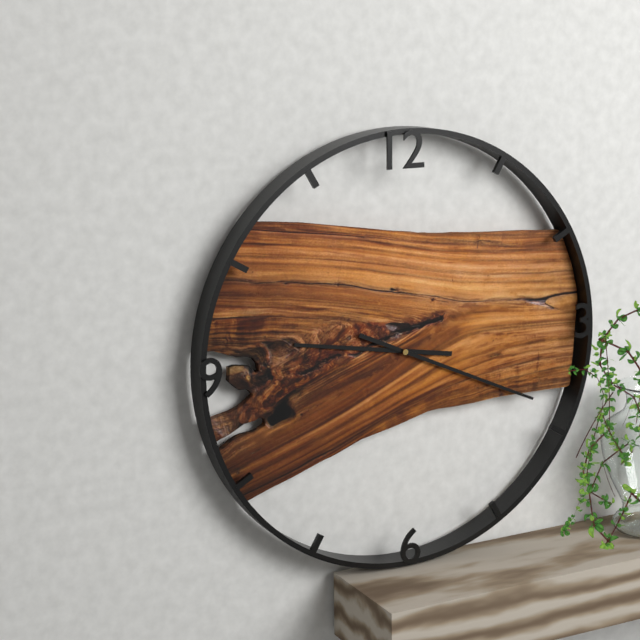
9h19
